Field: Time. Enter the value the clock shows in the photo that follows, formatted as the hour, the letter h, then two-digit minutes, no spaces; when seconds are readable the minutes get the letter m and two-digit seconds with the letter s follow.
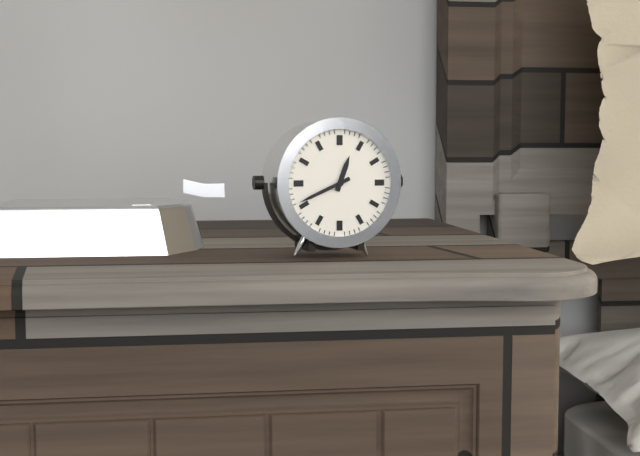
12h41
